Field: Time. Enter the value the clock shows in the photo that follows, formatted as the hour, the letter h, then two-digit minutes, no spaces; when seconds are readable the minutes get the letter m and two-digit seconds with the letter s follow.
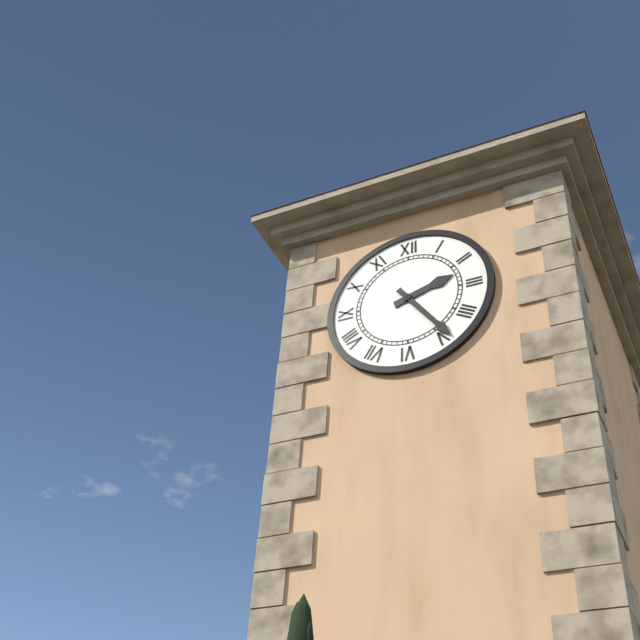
2h24
